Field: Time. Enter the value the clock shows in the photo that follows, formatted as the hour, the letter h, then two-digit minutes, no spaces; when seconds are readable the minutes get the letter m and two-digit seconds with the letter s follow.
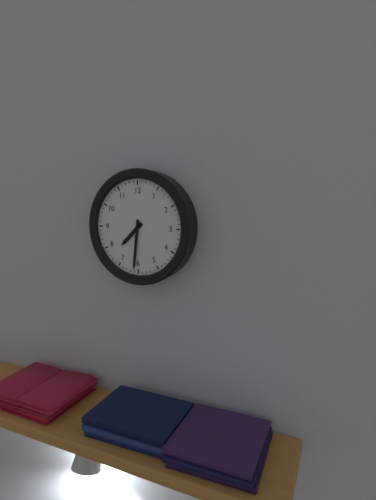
7h31
